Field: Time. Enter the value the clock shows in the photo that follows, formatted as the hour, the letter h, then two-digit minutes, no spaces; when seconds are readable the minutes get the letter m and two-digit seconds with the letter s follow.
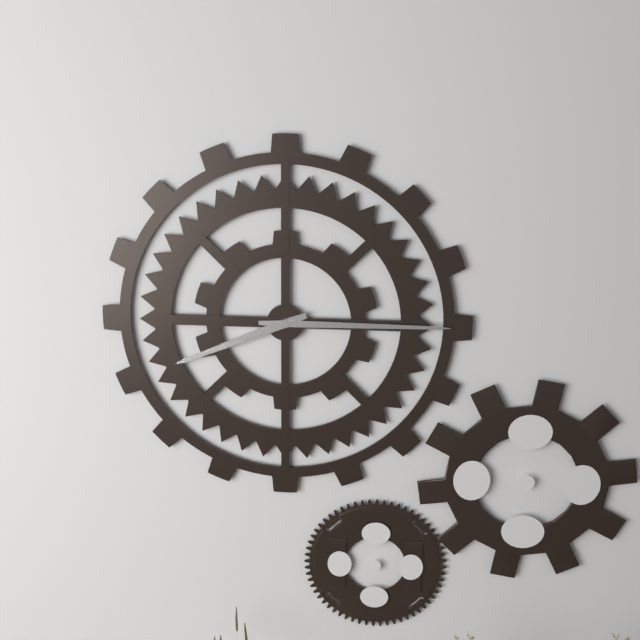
8h15
